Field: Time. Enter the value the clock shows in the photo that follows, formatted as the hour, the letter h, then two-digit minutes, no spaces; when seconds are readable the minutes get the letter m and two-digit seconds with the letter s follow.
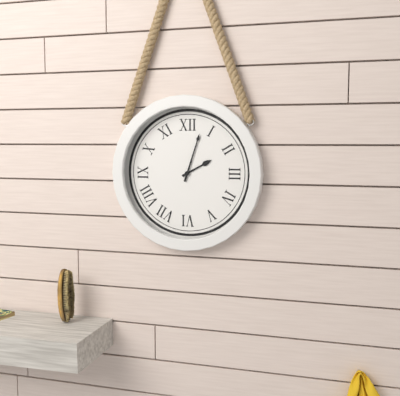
2h03
